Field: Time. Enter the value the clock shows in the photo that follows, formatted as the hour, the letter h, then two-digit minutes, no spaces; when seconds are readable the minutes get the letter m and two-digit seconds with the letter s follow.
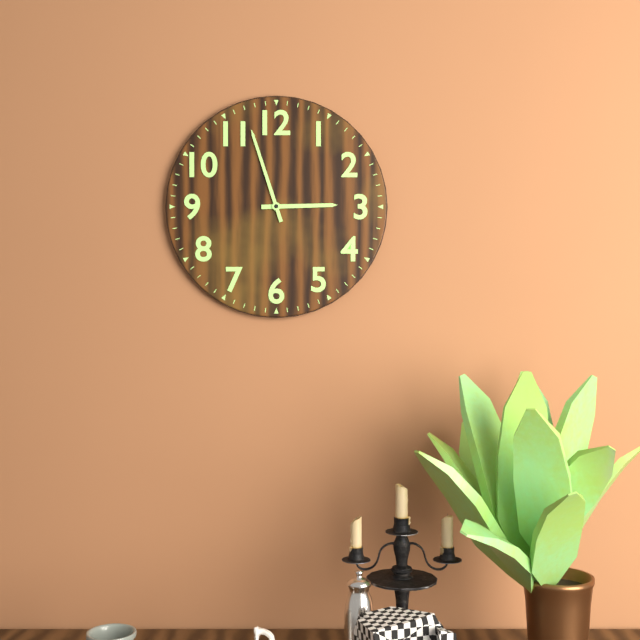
2h57
